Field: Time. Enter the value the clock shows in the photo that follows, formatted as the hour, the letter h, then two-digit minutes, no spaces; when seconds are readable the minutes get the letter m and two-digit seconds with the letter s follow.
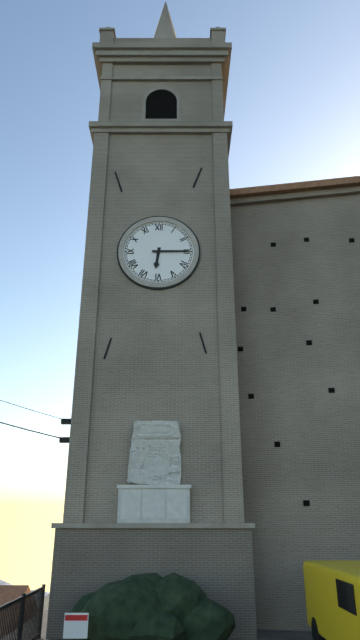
6h15
